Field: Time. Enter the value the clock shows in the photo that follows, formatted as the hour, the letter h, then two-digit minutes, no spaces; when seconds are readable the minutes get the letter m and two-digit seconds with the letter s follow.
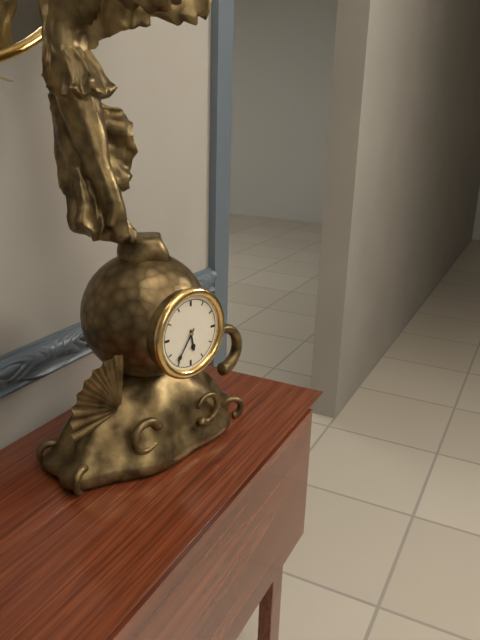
5h36
